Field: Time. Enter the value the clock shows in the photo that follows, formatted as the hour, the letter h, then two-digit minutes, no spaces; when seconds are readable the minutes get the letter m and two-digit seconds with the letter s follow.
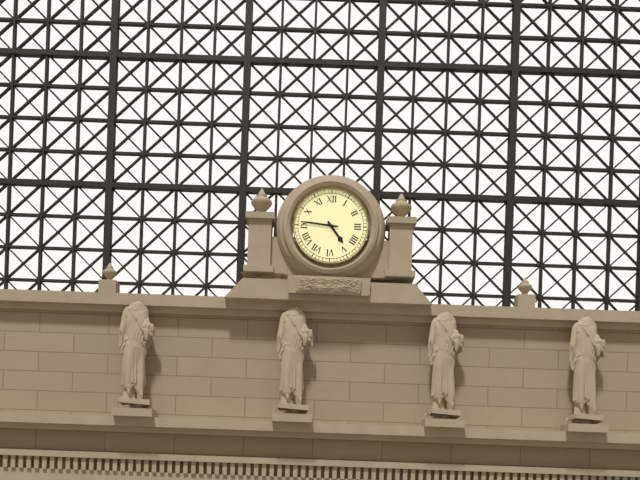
4h46
